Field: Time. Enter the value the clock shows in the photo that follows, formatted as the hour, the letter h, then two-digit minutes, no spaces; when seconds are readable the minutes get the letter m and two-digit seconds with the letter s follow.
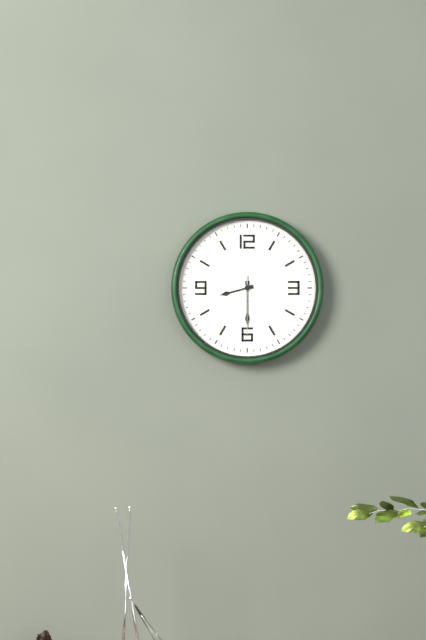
8h30m30s
